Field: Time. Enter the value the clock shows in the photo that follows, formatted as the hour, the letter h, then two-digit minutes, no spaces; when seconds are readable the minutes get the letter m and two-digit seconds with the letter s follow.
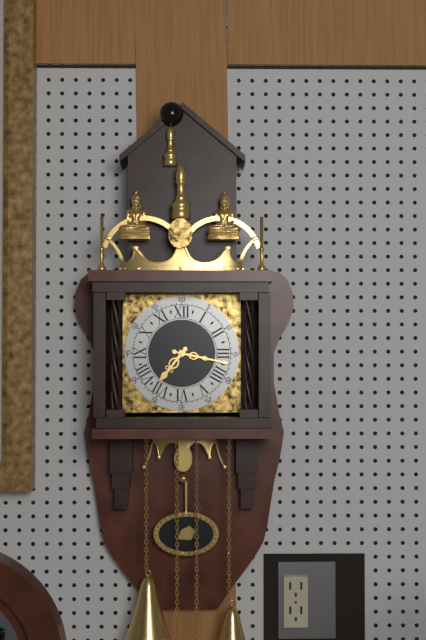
7h17
